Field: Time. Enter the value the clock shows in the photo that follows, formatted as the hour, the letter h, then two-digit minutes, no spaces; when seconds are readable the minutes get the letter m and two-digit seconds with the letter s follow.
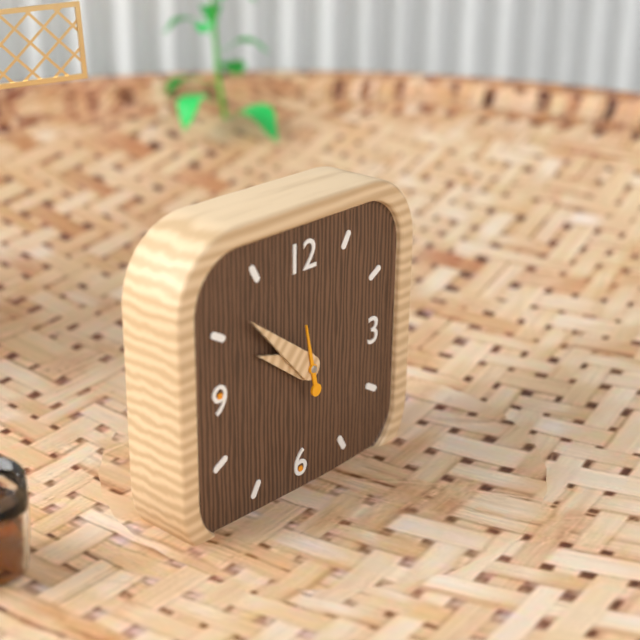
9h52m58s
